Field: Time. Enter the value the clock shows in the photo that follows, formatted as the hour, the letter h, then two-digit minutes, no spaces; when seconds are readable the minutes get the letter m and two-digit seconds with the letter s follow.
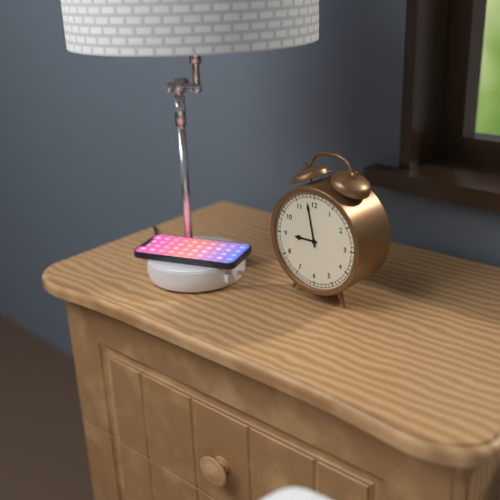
8h58
